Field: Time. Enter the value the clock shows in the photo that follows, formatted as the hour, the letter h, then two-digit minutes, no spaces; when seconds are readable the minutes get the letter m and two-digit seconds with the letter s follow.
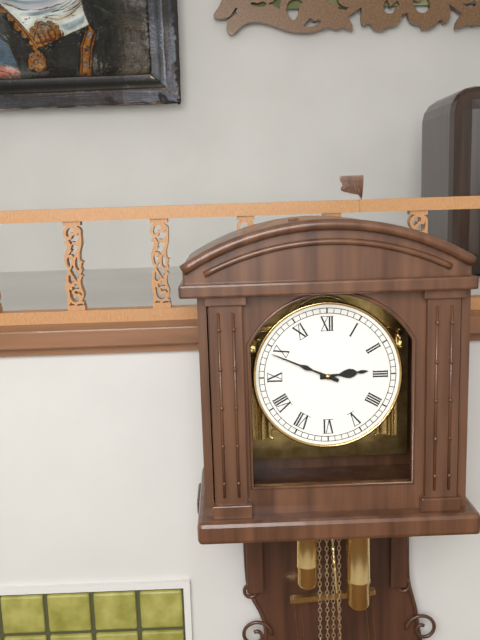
2h49
